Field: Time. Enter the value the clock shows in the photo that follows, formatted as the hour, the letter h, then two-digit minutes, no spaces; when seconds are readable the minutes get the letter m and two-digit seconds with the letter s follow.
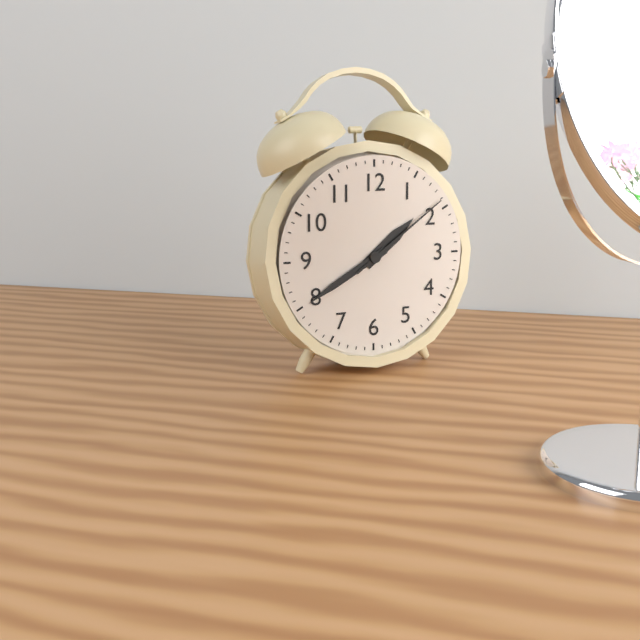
1h40m09s
